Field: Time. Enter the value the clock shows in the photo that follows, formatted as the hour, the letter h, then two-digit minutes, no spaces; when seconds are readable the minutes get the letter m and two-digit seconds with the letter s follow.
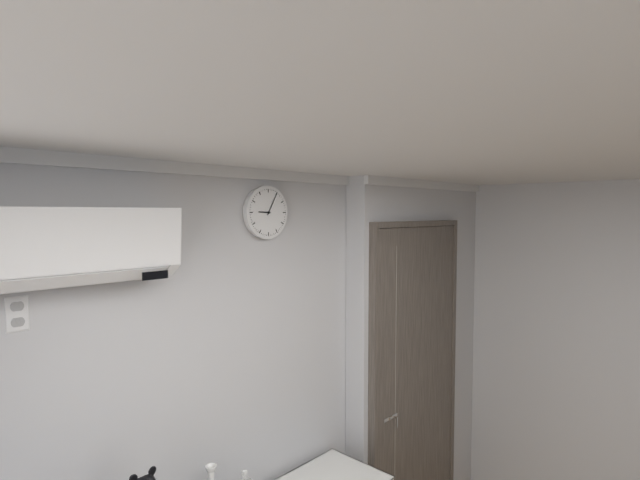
9h05
